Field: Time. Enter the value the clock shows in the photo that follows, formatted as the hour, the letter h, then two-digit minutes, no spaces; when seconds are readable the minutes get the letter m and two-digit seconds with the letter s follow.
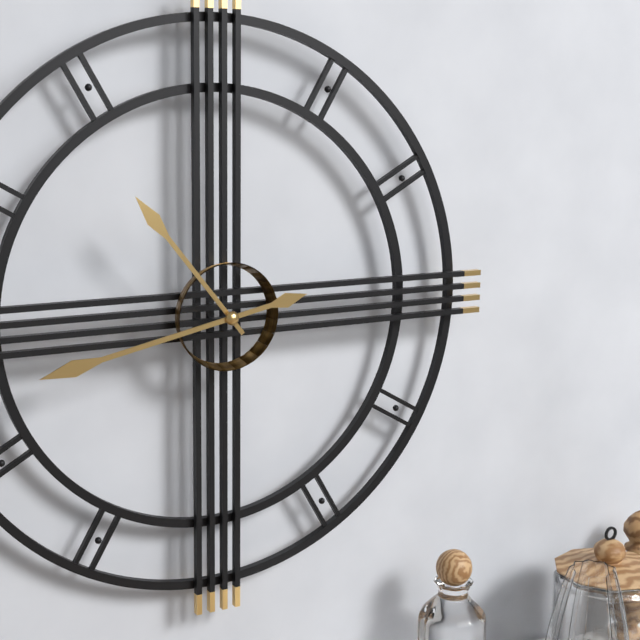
10h43
